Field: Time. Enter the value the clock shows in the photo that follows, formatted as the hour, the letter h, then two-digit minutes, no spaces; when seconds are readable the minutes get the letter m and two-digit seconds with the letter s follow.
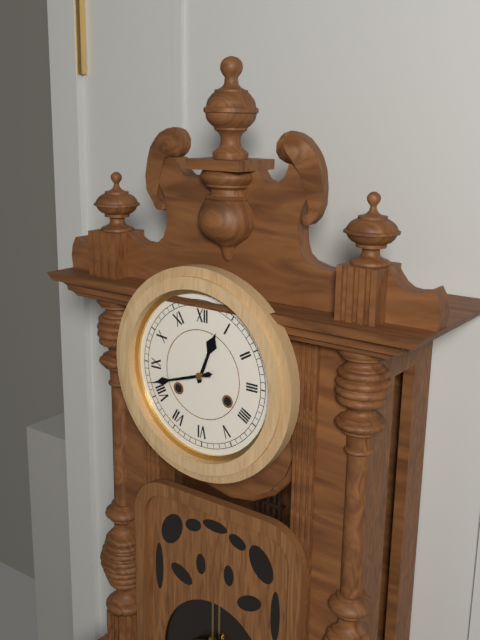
12h42
